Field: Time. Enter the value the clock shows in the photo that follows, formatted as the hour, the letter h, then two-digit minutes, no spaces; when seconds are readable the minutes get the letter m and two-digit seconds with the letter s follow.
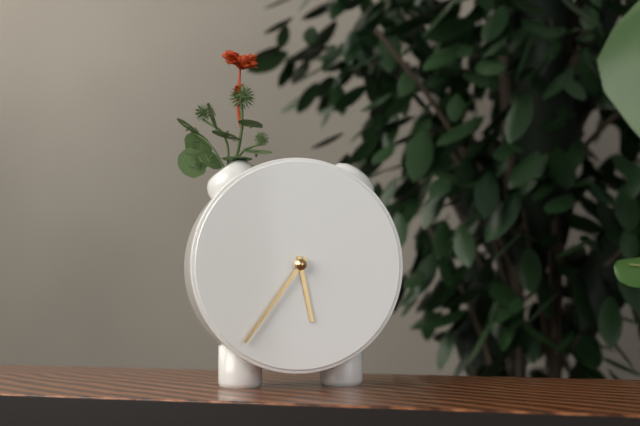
5h36
